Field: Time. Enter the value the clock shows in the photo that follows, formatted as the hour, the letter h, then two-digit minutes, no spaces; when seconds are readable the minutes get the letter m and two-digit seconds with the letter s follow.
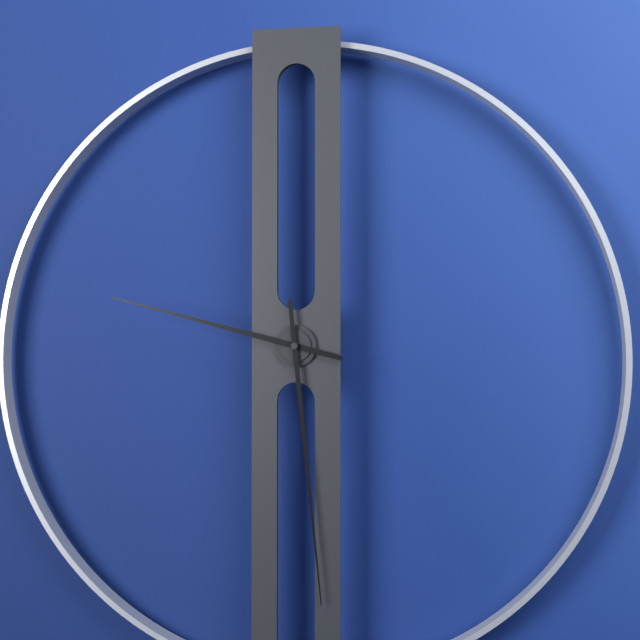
9h29
